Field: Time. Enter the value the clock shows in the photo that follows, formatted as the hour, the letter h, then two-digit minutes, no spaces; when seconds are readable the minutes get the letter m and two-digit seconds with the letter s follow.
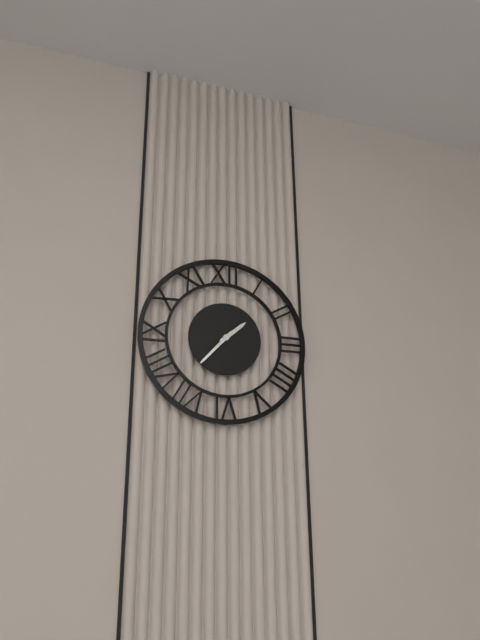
1h37
